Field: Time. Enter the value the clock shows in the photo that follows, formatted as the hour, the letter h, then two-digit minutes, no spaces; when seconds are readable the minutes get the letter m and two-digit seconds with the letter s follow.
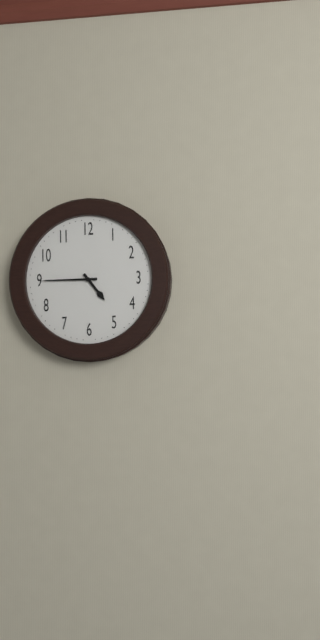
4h45
